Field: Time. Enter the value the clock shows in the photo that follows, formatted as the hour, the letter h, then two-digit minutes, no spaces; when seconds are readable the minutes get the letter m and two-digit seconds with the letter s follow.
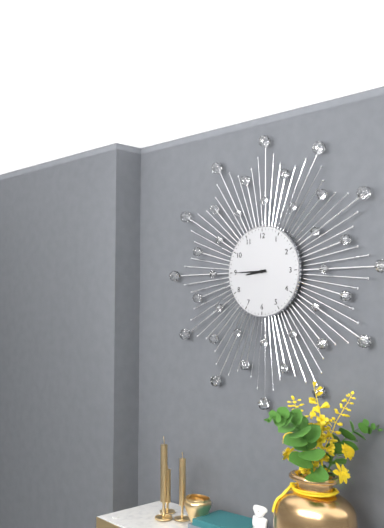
8h45
